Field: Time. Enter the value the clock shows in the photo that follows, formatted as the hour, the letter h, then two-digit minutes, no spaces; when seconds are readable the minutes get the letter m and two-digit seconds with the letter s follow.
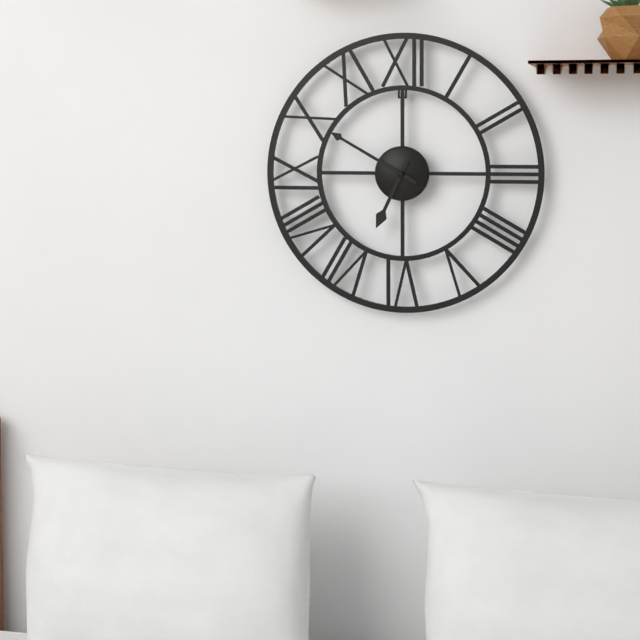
6h50
